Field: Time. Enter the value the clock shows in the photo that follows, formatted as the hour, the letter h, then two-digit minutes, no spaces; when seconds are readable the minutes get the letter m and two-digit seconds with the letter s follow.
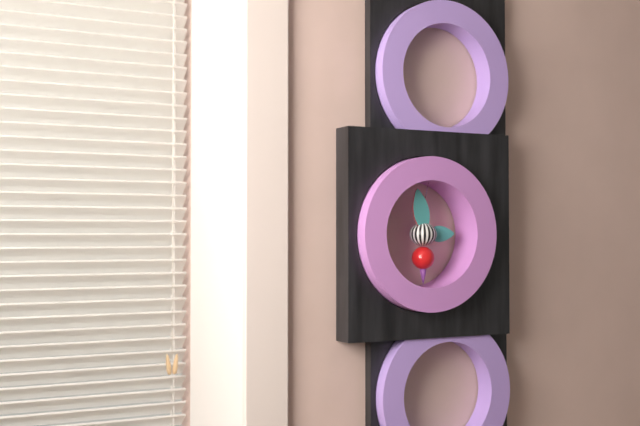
2h58
